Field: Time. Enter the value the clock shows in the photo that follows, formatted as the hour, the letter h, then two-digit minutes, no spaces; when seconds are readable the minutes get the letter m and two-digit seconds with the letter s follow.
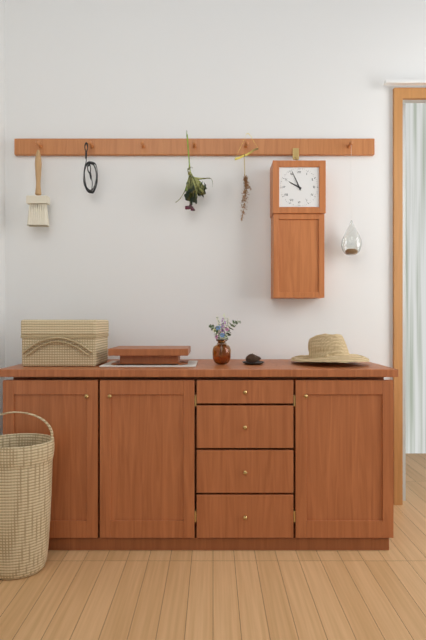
9h56
